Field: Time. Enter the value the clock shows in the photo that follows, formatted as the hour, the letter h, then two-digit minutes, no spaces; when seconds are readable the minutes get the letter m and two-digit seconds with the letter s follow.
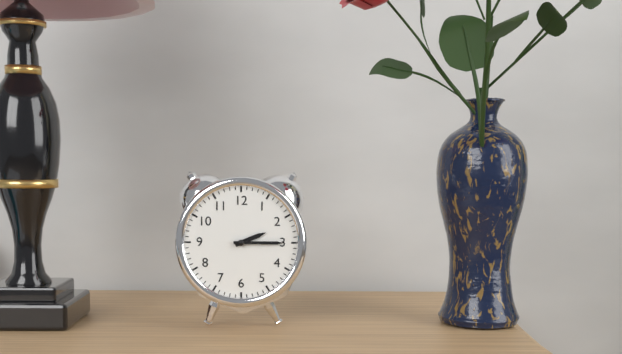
2h15
